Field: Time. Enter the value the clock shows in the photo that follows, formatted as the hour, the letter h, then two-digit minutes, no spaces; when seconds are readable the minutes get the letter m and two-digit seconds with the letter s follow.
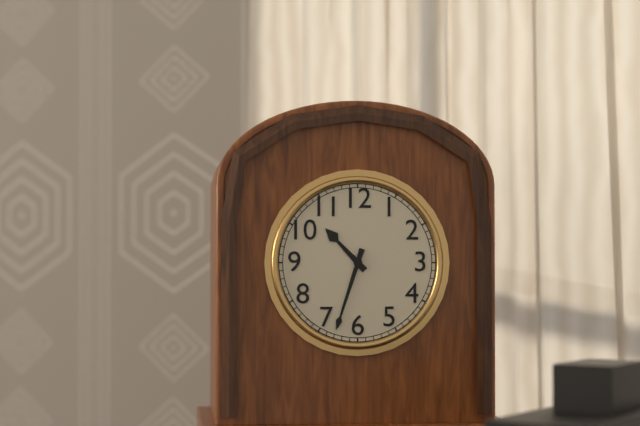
10h33
